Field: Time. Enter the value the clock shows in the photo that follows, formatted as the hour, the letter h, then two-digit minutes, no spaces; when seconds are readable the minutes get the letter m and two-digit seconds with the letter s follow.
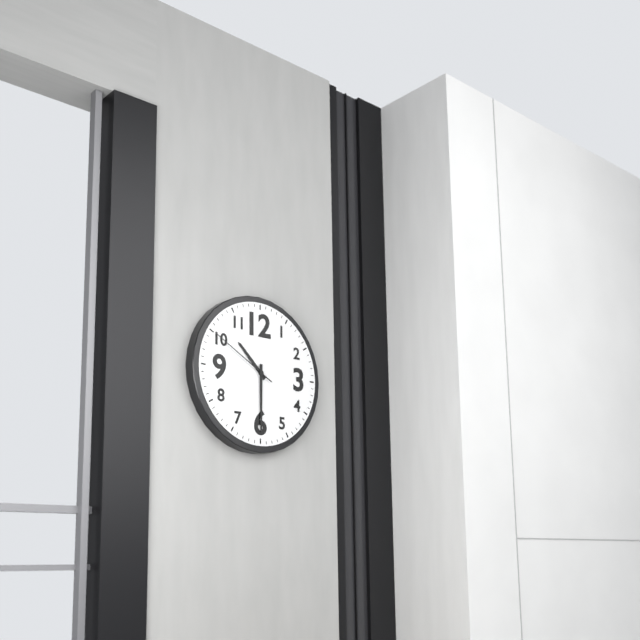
10h30m50s
